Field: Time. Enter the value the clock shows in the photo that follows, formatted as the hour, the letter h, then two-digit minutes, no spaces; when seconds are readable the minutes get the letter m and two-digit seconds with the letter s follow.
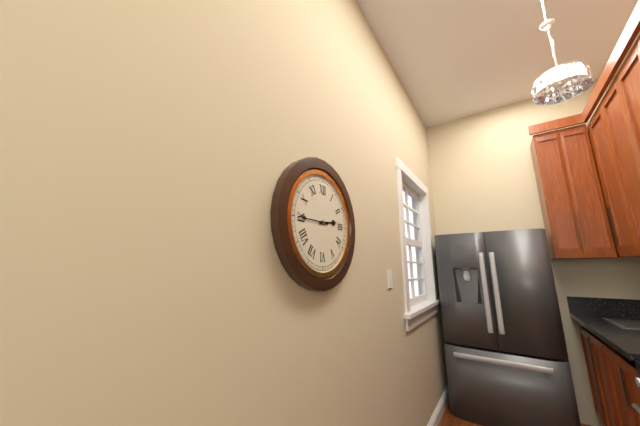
2h45
